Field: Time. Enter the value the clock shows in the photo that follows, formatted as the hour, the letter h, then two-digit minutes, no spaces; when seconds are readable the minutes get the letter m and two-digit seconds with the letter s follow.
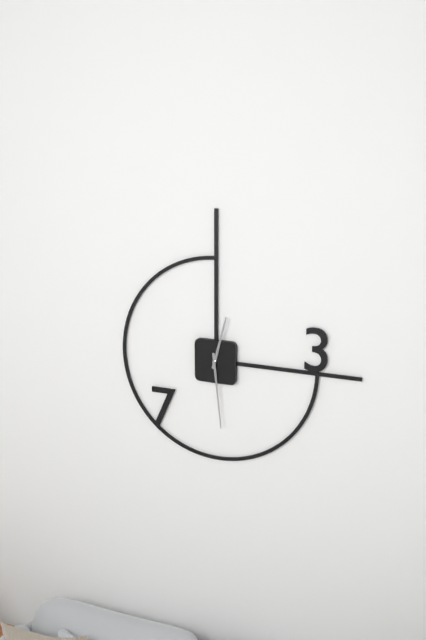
12h29
